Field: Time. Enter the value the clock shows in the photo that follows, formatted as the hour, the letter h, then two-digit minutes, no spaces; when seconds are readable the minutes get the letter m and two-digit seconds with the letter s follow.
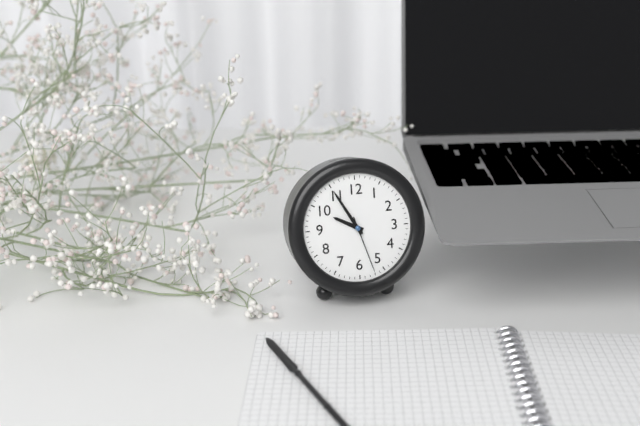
9h55m27s
